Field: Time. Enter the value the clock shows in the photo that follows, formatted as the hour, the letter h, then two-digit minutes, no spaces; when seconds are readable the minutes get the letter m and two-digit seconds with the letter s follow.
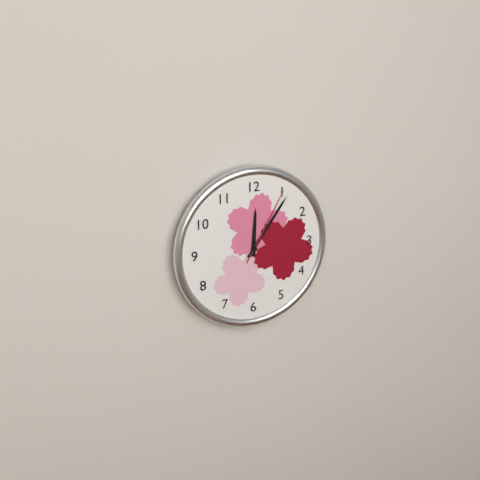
12h06m05s
